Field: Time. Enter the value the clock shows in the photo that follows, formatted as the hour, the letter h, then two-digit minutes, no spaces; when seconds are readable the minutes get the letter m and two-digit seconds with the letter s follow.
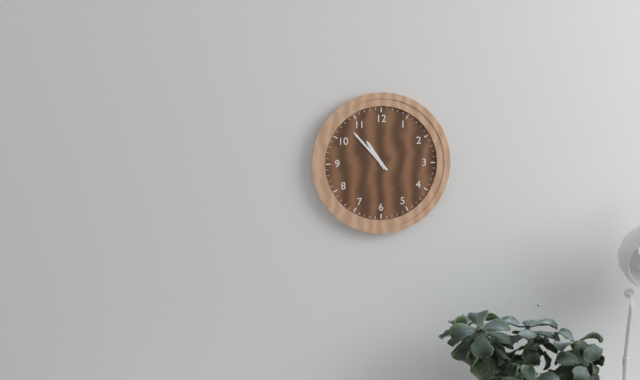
10h53
